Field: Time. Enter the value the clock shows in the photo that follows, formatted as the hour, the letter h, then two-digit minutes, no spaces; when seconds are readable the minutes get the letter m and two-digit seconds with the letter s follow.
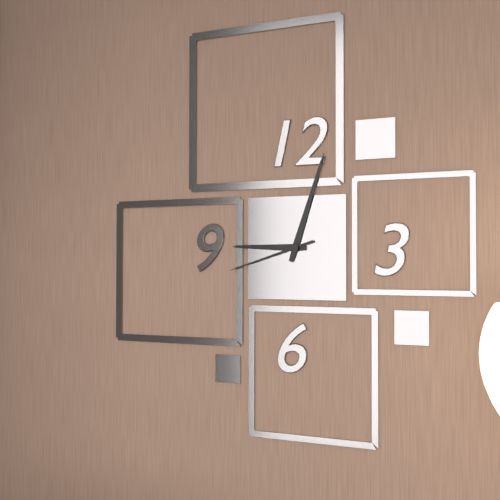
9h03m42s
